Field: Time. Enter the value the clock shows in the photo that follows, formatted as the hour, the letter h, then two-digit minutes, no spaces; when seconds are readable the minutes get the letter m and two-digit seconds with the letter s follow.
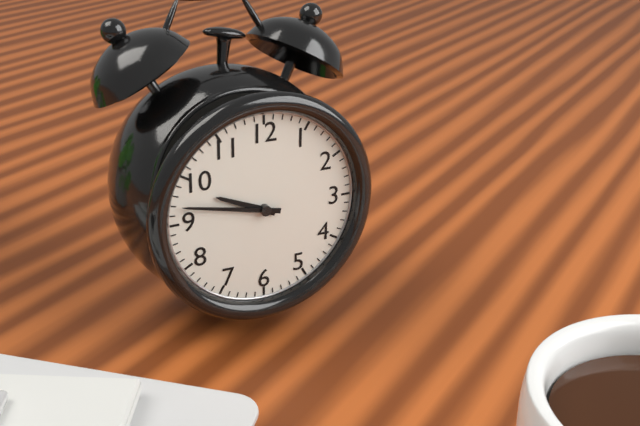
9h47
